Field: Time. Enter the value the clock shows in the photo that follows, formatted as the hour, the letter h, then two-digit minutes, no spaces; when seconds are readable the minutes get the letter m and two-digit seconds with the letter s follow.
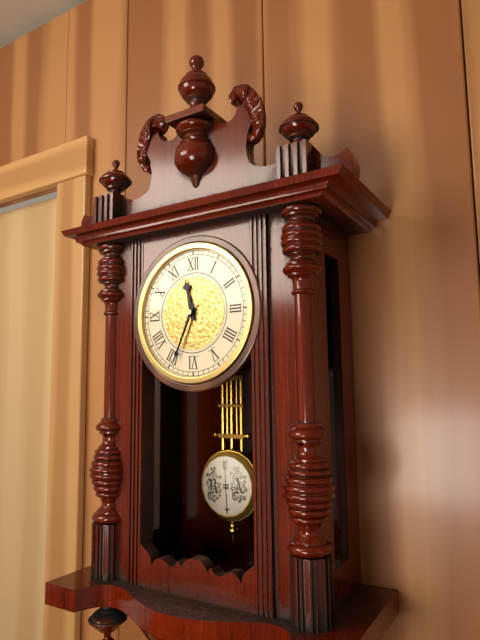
11h34
